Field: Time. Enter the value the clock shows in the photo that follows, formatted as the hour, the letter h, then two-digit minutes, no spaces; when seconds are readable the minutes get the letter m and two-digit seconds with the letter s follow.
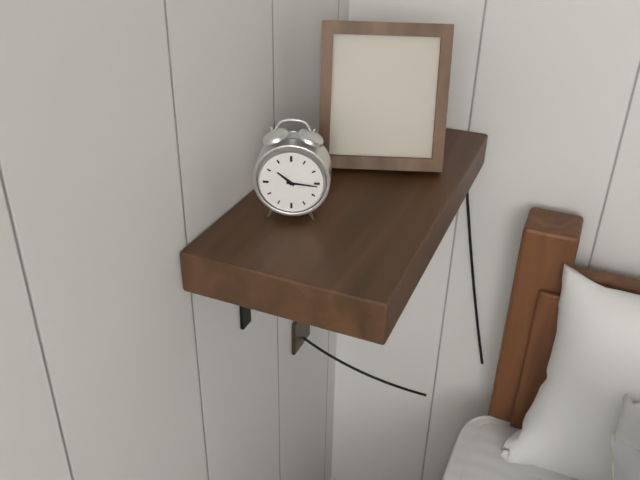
10h16
